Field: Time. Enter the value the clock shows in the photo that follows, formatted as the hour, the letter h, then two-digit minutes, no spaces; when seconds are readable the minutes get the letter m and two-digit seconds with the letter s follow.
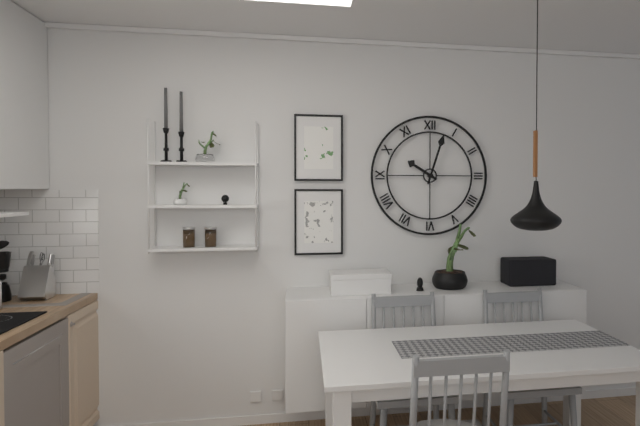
10h03
